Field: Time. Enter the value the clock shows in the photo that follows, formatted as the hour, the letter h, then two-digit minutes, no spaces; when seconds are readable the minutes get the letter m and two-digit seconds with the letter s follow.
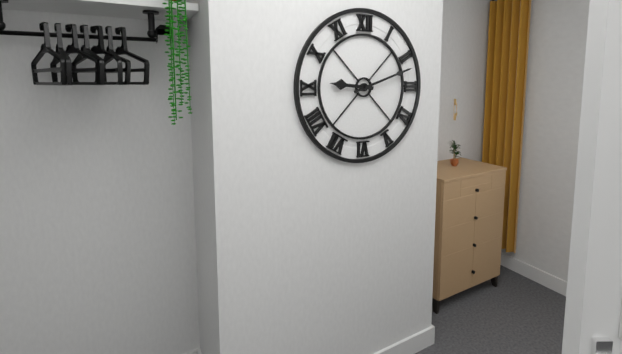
9h12
